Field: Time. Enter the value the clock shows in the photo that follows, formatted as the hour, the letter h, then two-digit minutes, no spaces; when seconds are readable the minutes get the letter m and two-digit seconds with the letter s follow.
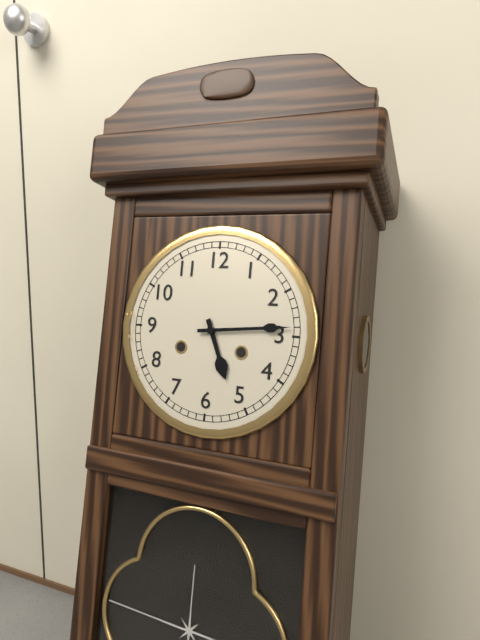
5h14
